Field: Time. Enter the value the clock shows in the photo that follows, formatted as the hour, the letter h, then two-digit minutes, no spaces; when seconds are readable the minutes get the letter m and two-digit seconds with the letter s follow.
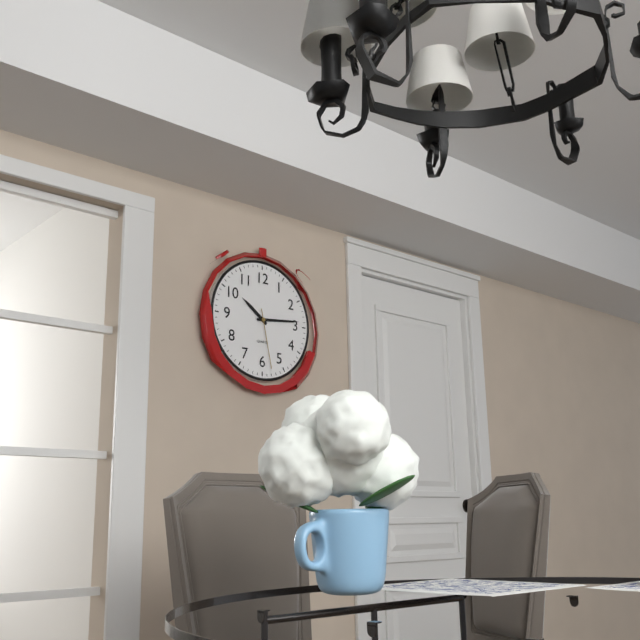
10h14m28s
